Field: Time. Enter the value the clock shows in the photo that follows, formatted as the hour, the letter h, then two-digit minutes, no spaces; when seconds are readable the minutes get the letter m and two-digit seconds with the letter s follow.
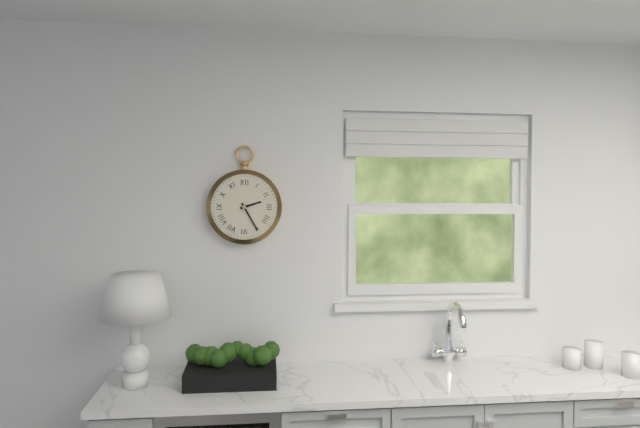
2h25
